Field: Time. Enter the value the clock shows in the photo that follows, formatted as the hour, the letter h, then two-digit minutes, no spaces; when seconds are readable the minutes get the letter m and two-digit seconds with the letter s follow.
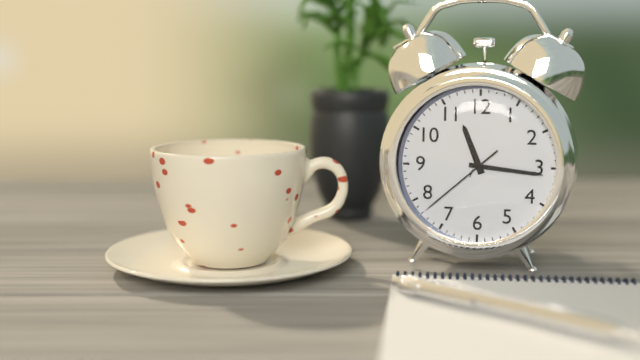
11h16m38s
